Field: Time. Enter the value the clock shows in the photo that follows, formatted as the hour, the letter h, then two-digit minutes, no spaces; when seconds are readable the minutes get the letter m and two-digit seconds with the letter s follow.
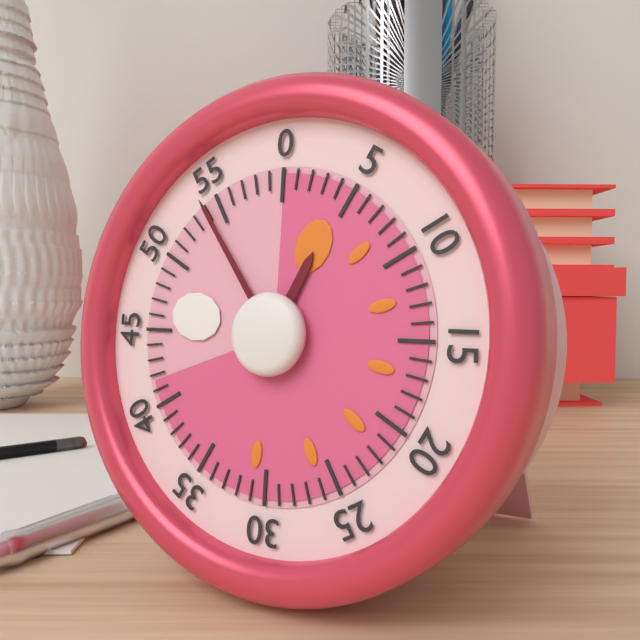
12h54
